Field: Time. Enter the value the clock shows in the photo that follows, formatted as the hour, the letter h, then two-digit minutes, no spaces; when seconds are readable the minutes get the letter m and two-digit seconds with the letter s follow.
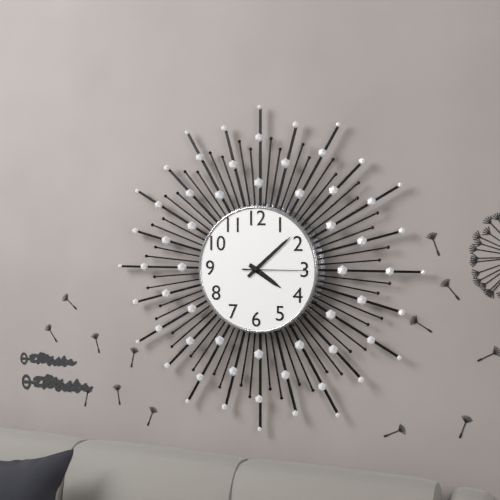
4h08m15s
